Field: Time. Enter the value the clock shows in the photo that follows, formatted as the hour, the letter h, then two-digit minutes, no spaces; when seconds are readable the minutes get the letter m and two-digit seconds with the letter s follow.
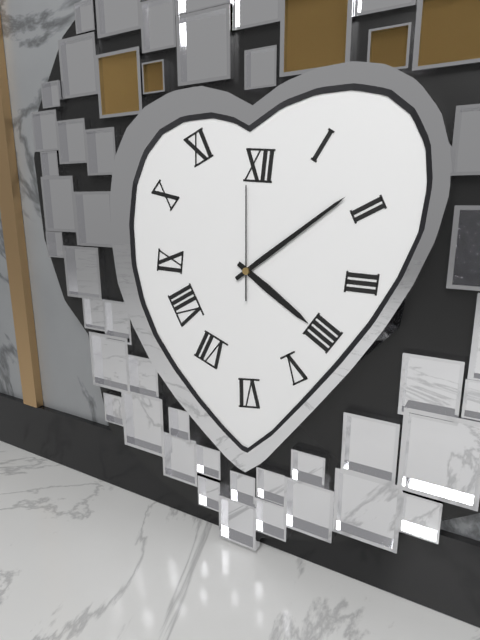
4h09m00s
